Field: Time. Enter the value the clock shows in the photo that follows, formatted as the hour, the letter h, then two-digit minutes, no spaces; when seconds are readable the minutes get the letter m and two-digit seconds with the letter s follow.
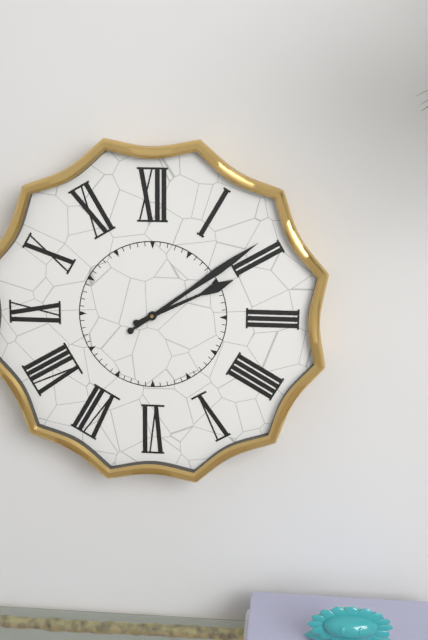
2h09
